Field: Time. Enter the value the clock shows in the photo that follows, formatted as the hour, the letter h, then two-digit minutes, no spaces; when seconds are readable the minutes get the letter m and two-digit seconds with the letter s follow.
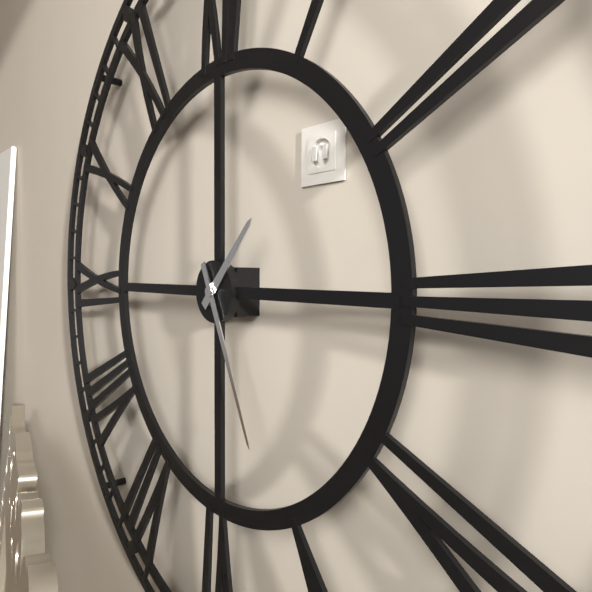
1h26
